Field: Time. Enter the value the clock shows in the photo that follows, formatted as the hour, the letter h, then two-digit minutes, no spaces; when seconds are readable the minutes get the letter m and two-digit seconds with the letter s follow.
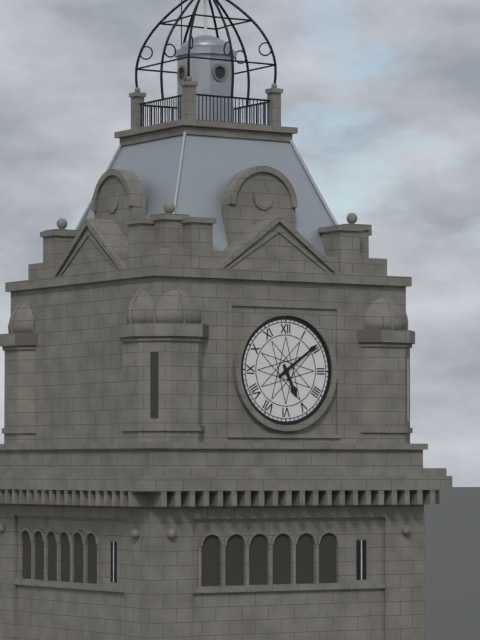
5h09
